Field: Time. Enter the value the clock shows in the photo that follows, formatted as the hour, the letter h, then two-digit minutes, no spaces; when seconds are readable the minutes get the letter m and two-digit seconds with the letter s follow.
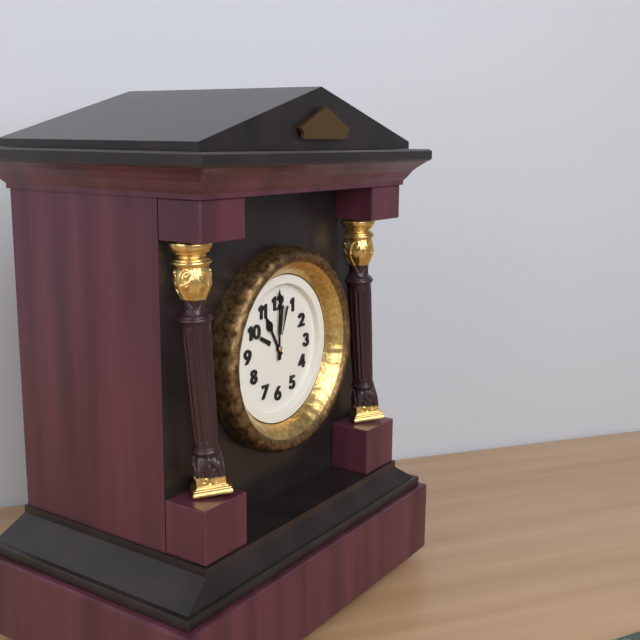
11h00
